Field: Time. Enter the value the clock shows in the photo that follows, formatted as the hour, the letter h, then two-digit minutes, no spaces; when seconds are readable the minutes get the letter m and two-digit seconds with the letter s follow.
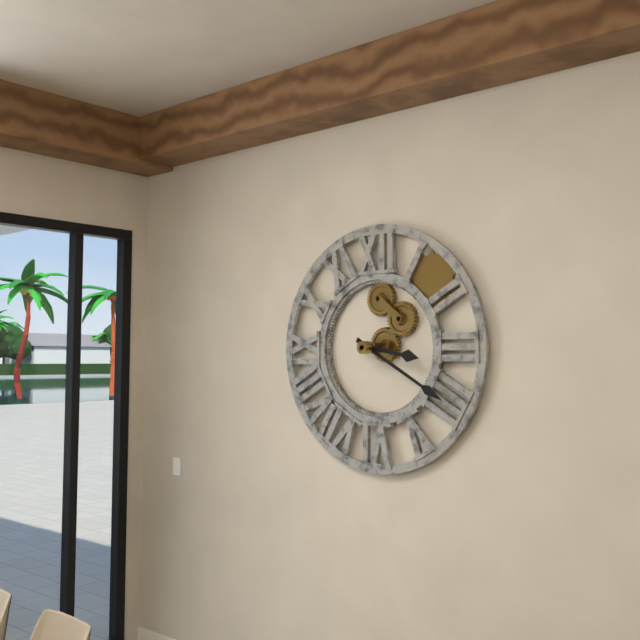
3h20
